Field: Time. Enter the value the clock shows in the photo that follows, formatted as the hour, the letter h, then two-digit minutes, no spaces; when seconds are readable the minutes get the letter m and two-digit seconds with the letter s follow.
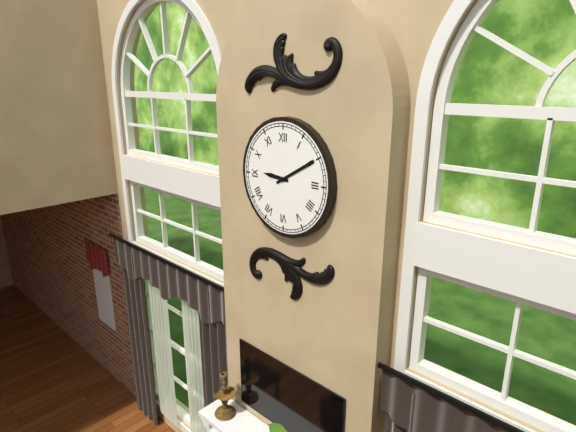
9h10
